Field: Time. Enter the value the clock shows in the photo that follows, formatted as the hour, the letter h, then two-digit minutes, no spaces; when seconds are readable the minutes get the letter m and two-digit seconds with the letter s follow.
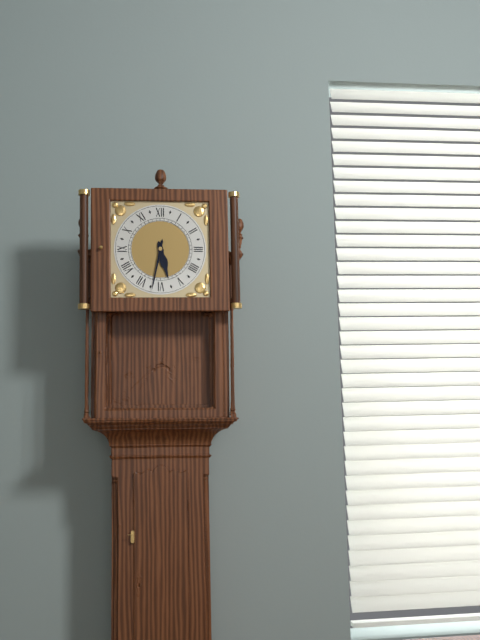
5h32
